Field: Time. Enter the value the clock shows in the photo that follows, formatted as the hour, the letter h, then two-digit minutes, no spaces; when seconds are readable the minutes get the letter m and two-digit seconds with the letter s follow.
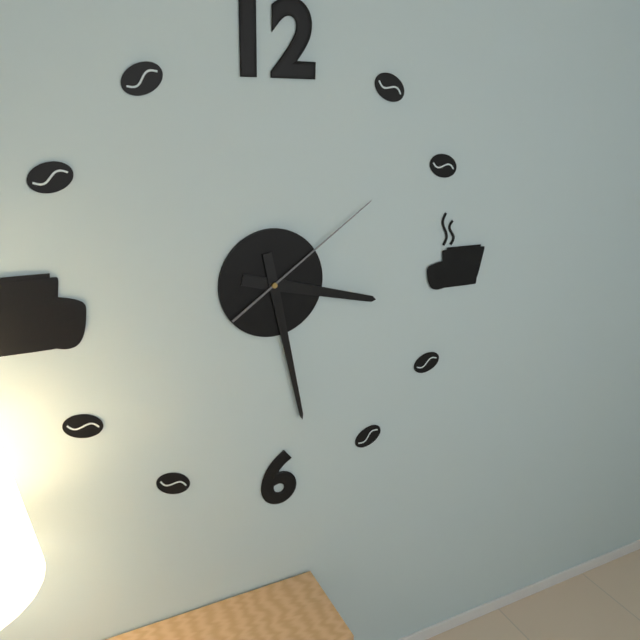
3h28m09s
